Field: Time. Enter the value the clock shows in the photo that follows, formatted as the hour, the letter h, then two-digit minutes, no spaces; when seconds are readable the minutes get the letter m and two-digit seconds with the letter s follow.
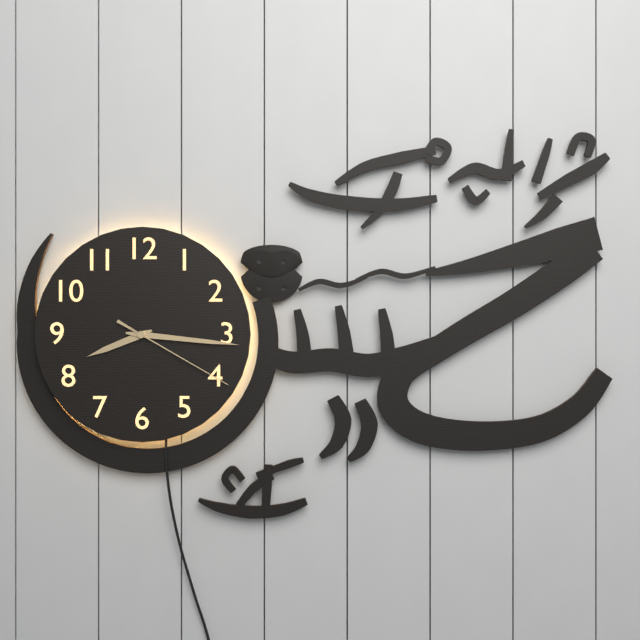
8h16m20s
